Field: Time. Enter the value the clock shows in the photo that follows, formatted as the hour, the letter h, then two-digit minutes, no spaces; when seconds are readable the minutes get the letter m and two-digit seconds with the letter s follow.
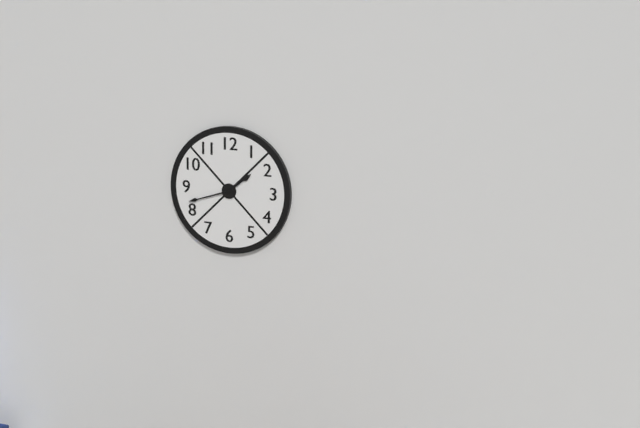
1h42
